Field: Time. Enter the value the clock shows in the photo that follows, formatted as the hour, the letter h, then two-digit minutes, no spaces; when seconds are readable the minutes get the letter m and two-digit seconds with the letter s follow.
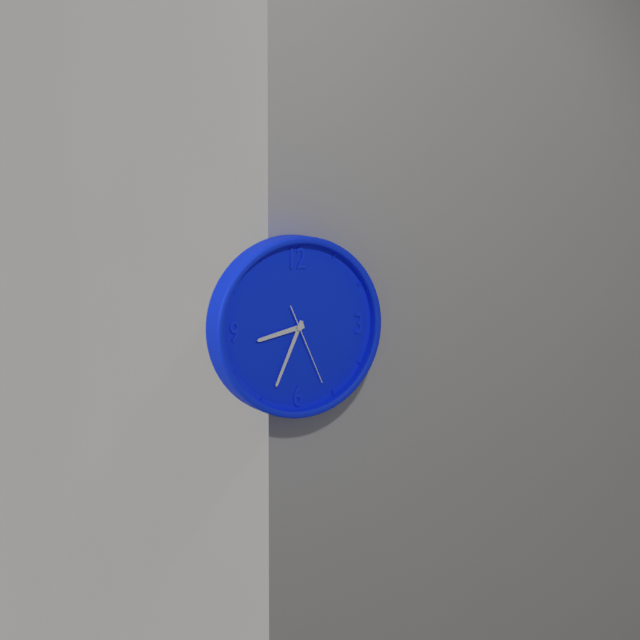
8h34m26s
